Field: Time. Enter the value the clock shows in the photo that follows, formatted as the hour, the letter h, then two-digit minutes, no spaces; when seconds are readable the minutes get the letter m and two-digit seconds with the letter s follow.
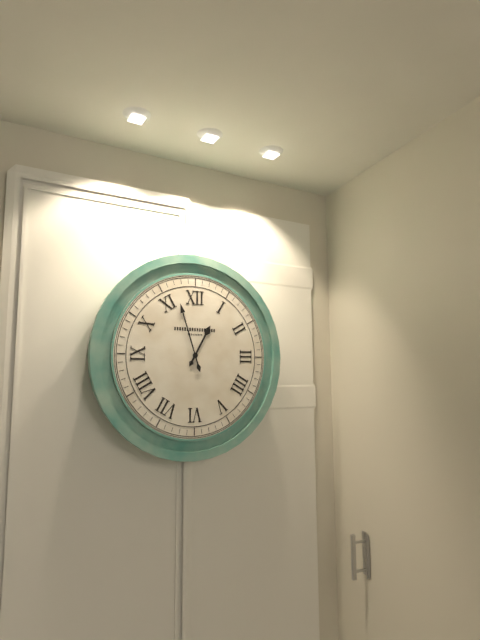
12h57
